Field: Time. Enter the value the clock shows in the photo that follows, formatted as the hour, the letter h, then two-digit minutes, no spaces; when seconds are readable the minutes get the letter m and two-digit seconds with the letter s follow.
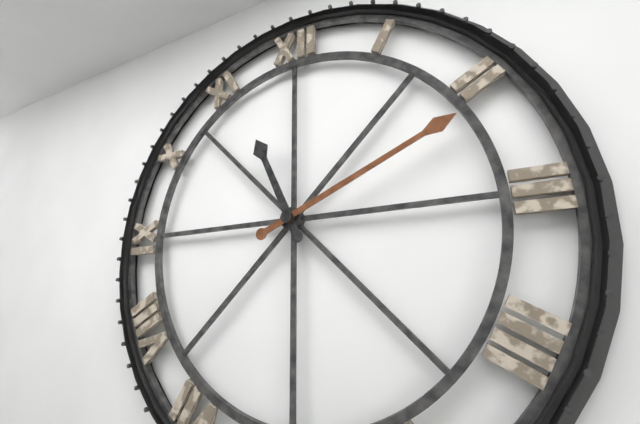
11h11
